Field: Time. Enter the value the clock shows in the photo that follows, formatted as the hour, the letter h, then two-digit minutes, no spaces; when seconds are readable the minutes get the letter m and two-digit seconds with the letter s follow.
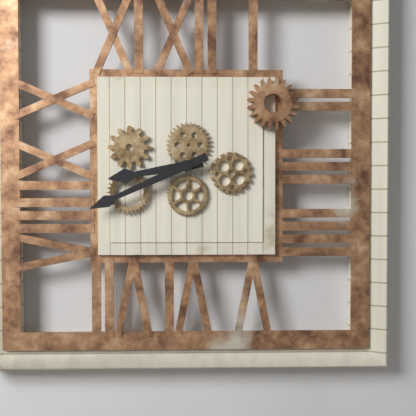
8h41
